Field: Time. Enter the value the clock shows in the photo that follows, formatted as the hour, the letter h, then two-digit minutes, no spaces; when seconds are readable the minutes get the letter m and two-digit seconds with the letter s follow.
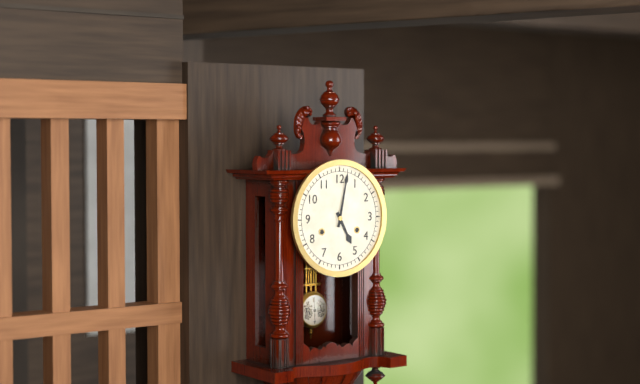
5h02
